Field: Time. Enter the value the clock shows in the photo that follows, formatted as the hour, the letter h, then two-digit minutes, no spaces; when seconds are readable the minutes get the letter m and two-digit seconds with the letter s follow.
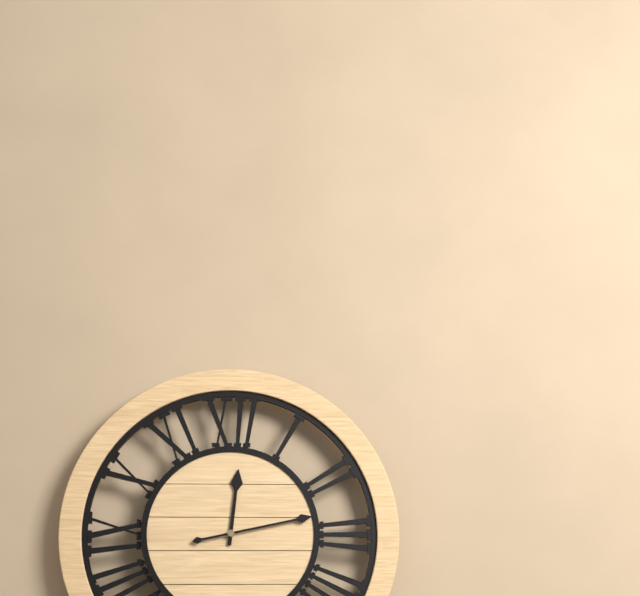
12h13
